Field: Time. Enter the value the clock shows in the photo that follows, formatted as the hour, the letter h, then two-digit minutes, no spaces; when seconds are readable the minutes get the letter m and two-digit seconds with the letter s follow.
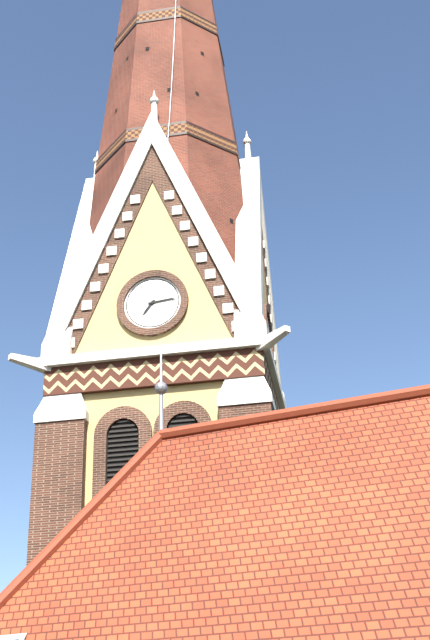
7h14
